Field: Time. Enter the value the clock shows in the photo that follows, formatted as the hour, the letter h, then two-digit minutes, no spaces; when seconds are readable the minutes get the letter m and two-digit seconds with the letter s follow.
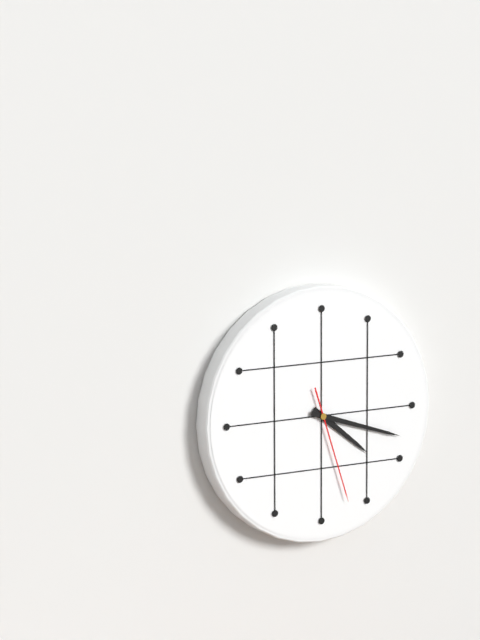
4h18m27s
